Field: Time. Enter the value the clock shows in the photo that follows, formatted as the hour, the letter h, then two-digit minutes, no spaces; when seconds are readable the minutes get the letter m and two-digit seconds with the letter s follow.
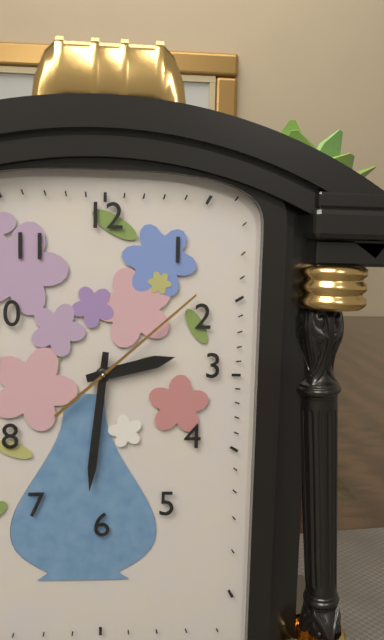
2h31m08s
